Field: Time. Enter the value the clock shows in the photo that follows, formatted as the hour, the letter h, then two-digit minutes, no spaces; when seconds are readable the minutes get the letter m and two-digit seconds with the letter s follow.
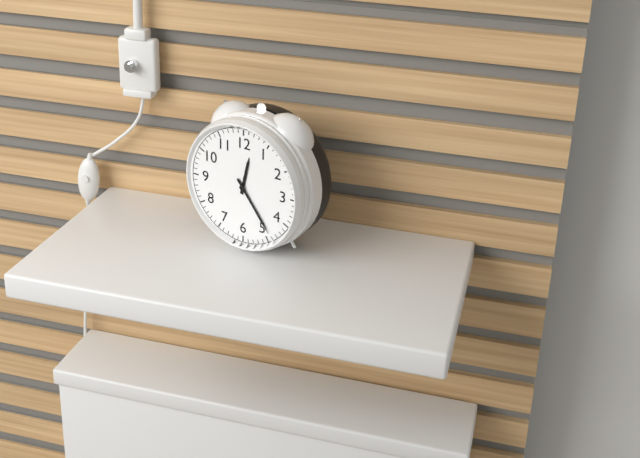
12h24
